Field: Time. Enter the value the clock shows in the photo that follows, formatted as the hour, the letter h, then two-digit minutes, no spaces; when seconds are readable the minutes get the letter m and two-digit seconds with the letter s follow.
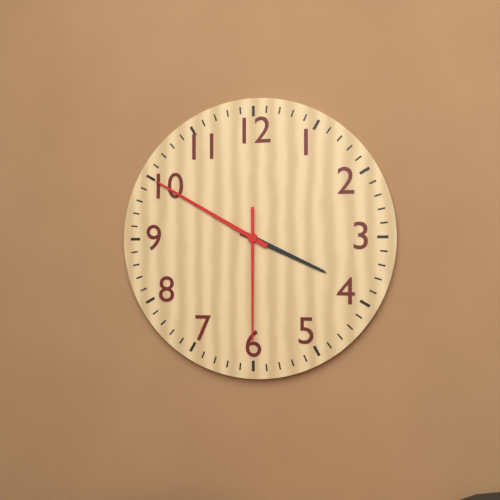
3h50m30s
